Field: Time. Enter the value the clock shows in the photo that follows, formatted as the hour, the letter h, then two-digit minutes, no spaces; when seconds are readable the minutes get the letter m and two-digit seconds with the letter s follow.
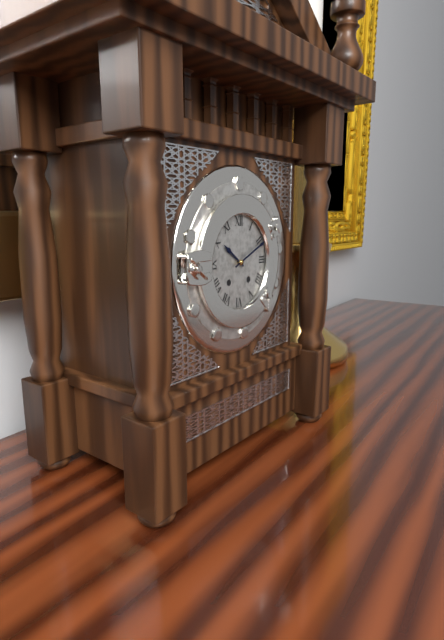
10h11
